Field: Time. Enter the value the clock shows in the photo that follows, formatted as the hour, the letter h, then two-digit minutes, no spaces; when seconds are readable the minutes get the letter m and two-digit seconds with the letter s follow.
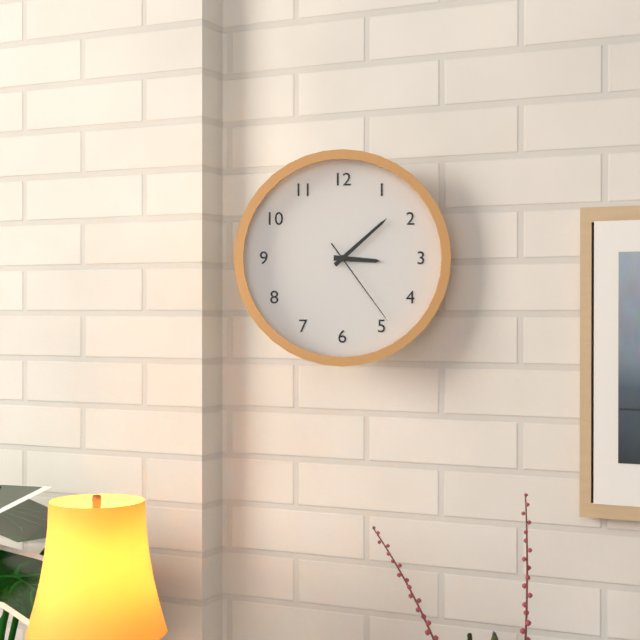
3h08m24s
